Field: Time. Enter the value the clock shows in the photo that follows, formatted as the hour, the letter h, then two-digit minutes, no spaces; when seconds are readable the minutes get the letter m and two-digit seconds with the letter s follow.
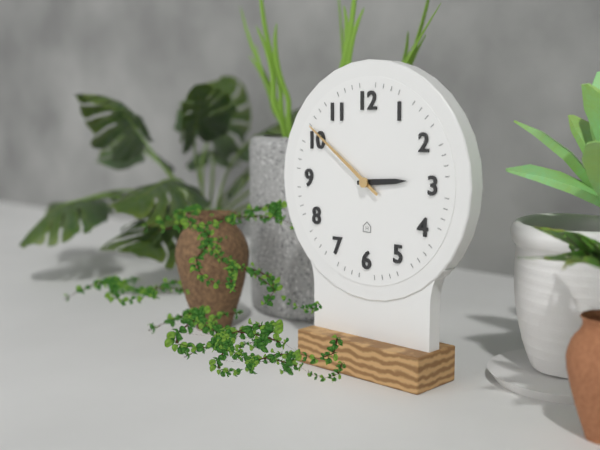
2h51
